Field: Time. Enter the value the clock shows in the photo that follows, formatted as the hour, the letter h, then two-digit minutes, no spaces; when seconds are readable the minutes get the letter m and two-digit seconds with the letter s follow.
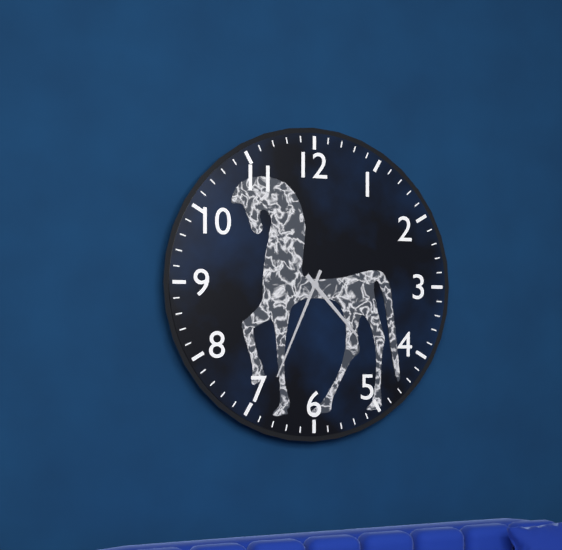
4h34
